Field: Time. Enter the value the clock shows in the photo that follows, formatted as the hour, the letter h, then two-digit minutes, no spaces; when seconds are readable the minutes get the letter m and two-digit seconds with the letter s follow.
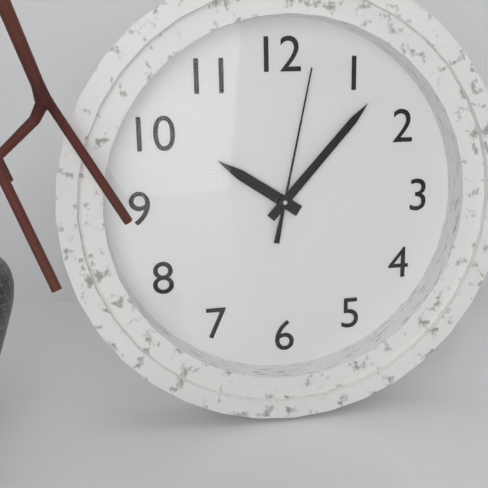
10h07m02s
